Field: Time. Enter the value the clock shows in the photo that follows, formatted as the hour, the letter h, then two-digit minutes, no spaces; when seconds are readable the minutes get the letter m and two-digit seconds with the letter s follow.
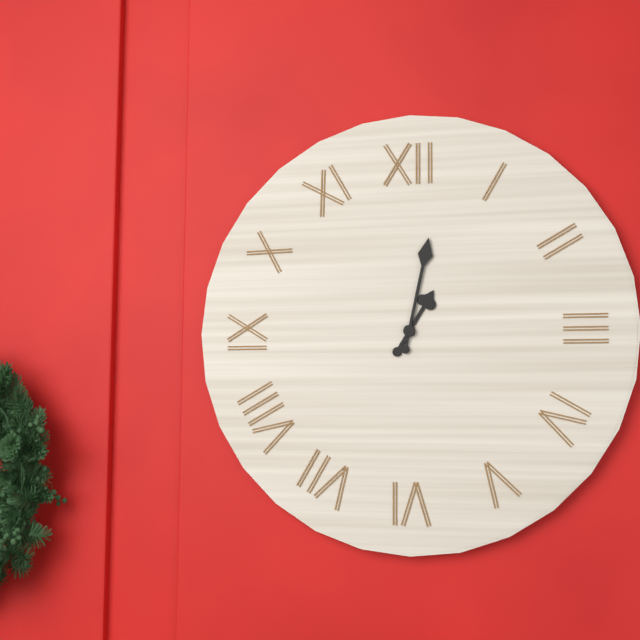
1h02
